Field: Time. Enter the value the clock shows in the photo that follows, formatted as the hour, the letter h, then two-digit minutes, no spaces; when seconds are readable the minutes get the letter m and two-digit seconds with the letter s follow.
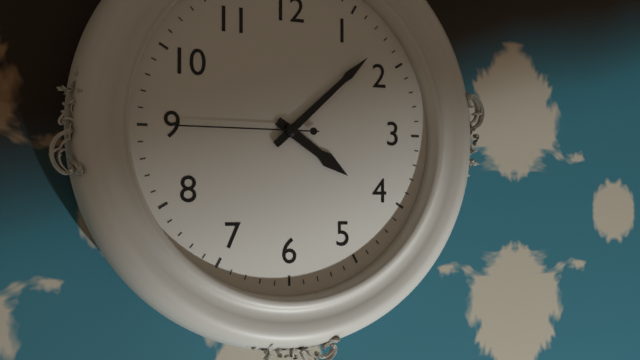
4h08m45s
